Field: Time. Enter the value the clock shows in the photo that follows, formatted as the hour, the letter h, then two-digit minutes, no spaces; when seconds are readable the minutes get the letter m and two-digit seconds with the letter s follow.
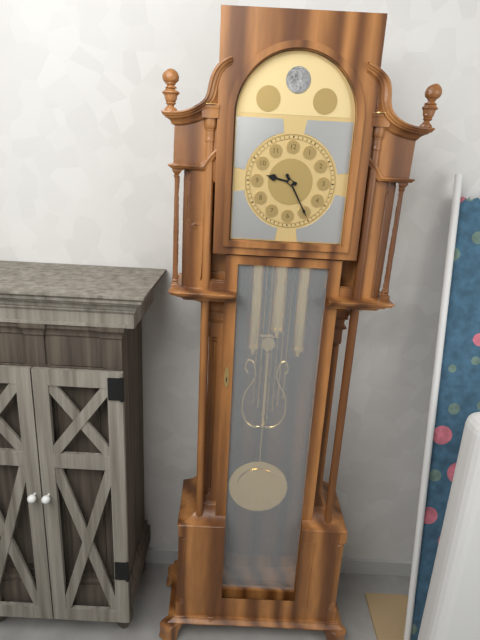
9h25
